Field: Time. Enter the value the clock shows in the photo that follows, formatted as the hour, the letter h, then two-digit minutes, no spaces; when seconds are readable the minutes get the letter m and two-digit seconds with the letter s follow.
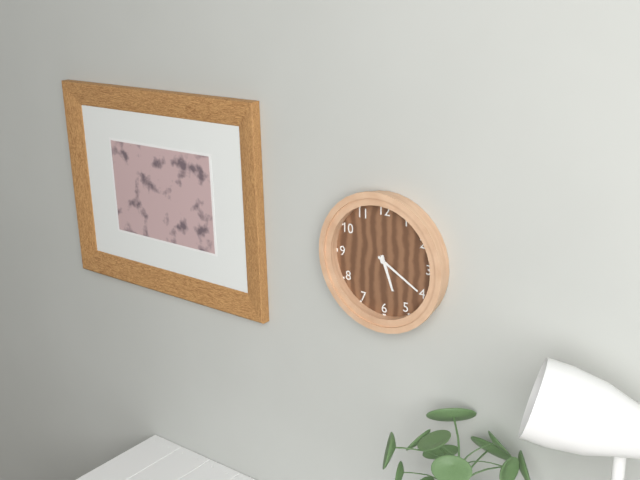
5h20
